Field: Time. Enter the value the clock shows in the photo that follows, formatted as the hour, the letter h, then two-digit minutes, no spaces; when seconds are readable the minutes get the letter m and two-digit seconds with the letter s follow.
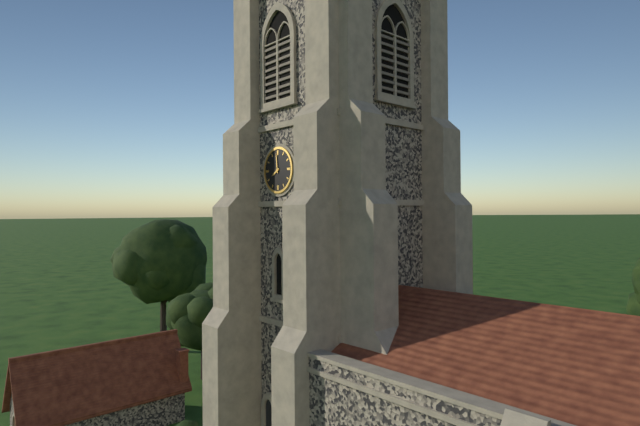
7h59
